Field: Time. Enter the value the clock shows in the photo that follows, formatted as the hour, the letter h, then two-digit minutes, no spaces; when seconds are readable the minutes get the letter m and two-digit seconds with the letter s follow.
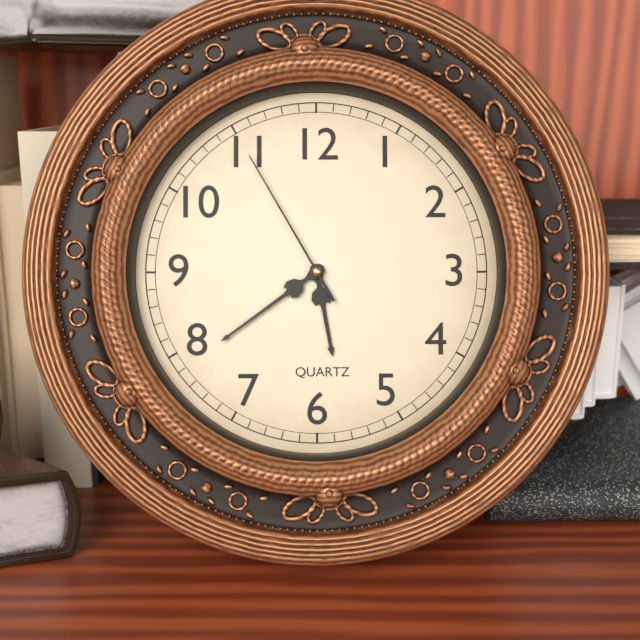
5h39m55s
